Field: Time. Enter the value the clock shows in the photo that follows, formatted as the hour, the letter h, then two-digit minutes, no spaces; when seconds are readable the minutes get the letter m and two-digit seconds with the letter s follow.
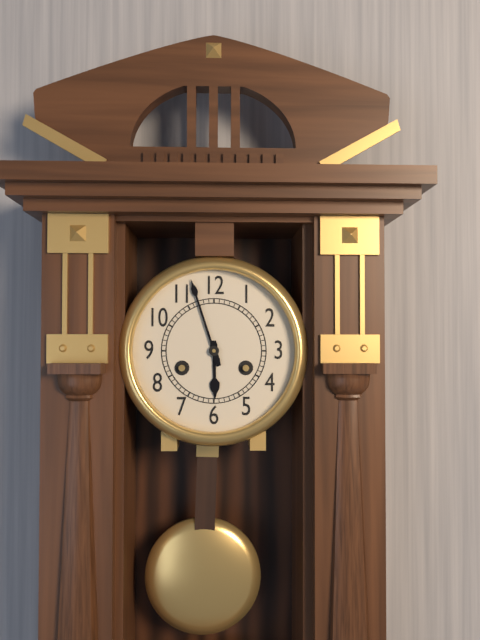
5h57
